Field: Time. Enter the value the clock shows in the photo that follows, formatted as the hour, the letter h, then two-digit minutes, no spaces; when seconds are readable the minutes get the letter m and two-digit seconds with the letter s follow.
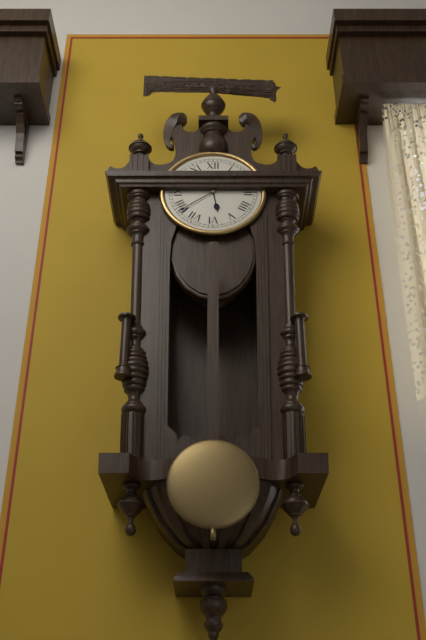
5h39
